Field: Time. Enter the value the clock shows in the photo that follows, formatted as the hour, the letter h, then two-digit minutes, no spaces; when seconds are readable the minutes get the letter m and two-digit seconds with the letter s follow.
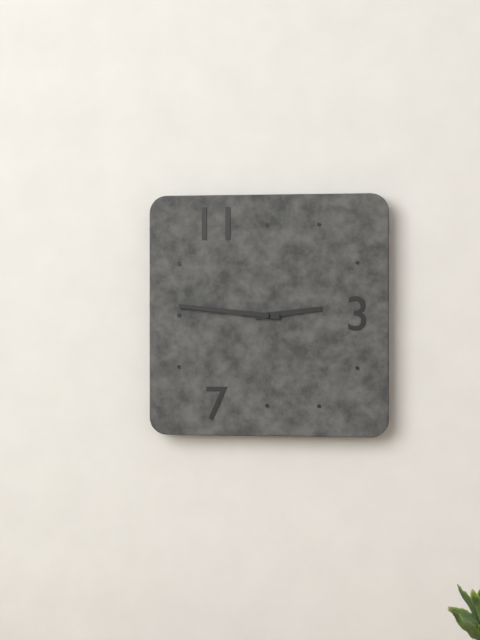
2h46
